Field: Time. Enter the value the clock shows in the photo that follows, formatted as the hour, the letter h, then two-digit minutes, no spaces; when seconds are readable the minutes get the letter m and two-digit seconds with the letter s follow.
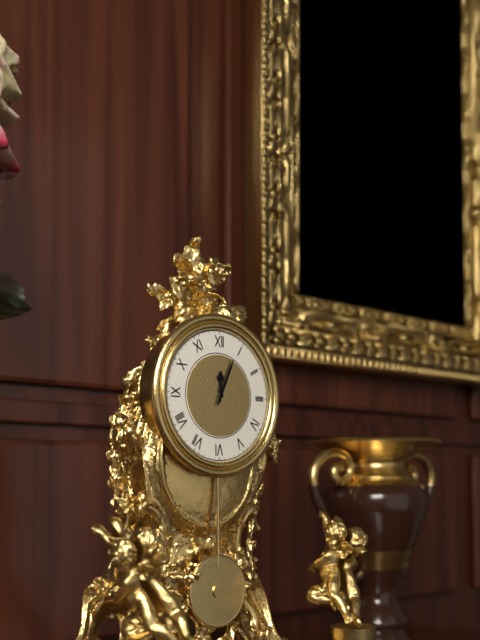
12h04
